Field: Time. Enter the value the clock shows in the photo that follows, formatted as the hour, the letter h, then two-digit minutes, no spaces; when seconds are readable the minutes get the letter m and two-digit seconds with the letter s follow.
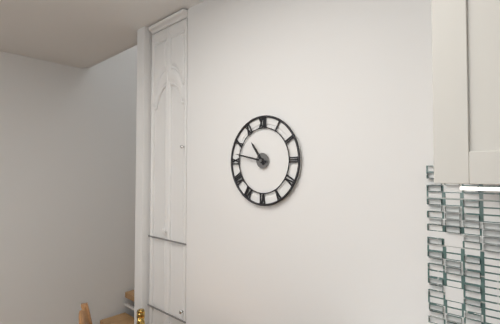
10h47
